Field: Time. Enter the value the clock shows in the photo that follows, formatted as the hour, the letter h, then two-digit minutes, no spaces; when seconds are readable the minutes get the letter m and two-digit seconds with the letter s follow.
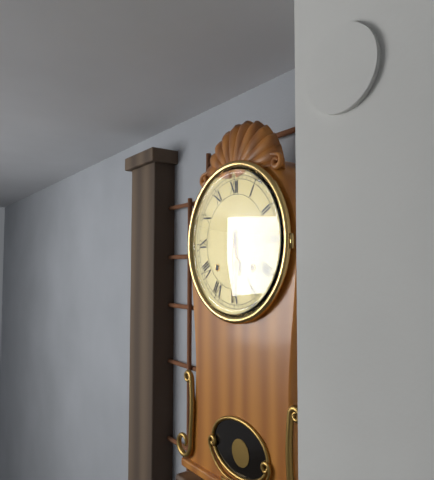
5h30
